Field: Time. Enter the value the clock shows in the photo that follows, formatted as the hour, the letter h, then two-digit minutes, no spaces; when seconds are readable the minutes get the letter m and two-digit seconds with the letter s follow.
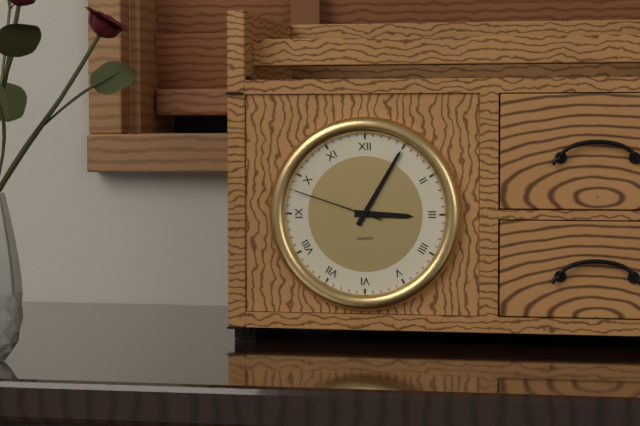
3h05m48s
